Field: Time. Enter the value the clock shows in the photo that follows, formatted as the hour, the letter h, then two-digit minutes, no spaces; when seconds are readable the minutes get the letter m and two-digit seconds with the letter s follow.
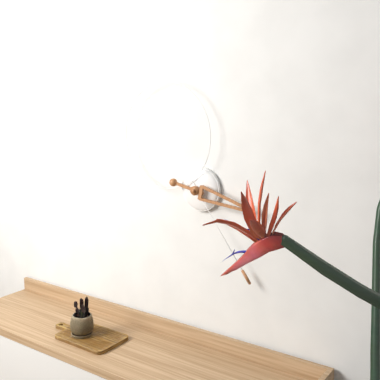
3h24
